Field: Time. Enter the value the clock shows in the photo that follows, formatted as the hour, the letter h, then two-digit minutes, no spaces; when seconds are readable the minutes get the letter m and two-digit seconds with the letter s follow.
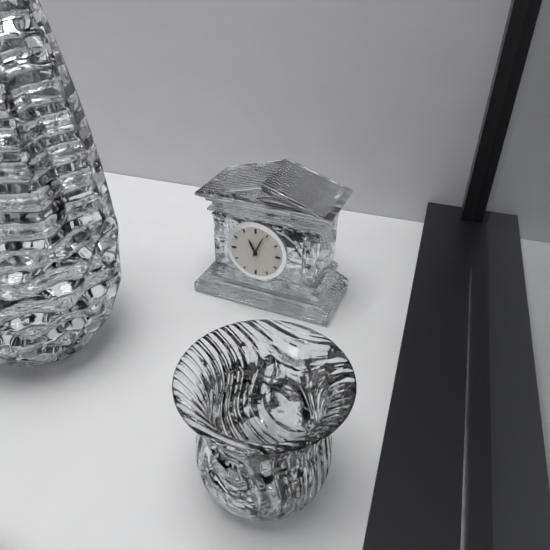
11h04
